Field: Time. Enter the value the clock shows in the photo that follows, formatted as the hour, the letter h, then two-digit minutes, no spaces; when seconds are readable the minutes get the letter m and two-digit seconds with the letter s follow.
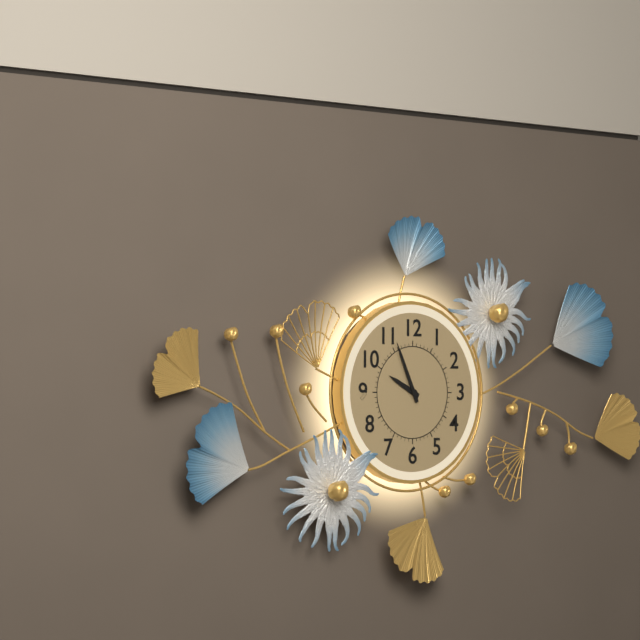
9h56
